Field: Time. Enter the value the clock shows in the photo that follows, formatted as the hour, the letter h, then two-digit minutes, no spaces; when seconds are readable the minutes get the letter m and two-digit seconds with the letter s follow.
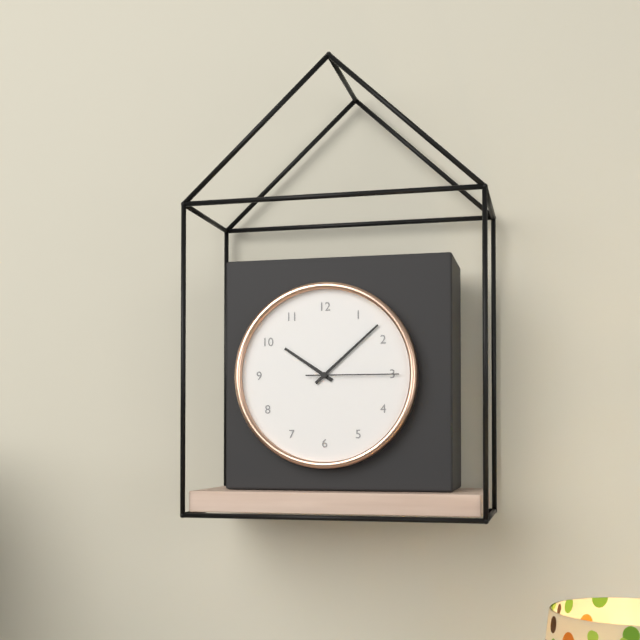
10h08m15s
